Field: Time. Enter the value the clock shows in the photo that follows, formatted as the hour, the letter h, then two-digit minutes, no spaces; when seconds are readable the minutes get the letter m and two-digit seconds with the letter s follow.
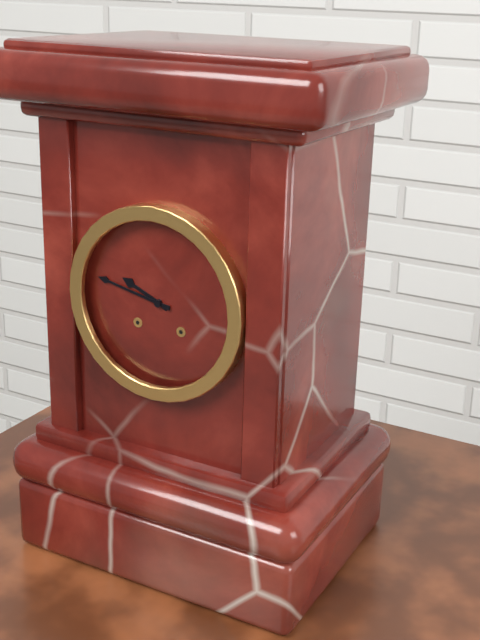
9h47
